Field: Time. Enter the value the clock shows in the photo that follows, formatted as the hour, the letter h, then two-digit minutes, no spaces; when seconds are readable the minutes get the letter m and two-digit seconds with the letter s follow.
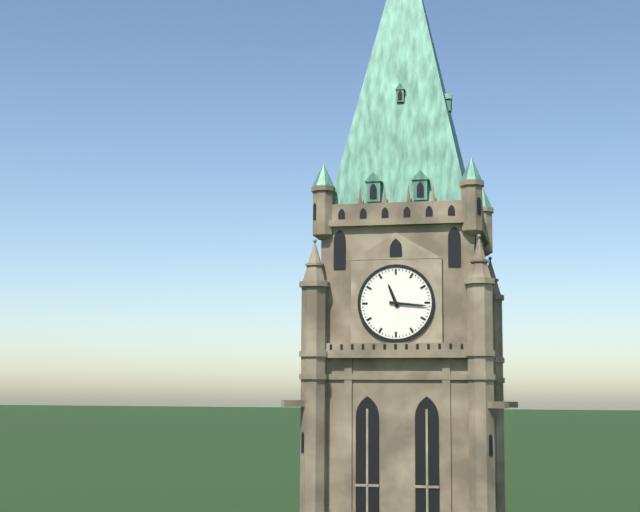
11h16
